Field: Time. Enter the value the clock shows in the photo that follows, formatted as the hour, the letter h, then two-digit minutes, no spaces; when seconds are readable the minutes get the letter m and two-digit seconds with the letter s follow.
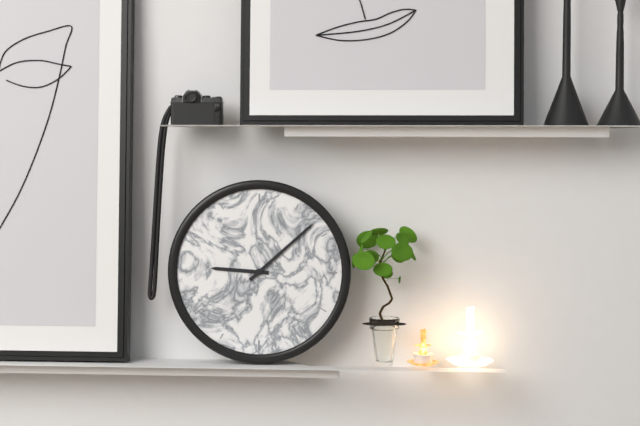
9h08
